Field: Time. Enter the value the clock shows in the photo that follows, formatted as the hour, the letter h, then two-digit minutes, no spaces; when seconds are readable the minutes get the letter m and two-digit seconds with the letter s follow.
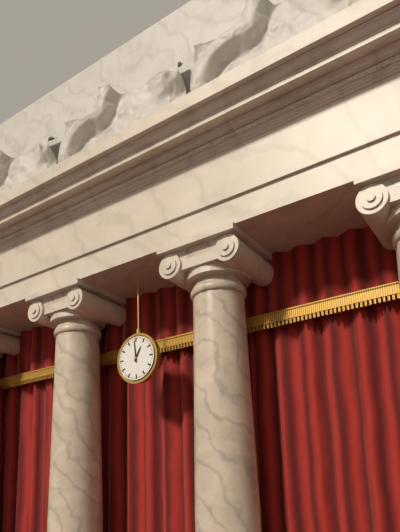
12h59
